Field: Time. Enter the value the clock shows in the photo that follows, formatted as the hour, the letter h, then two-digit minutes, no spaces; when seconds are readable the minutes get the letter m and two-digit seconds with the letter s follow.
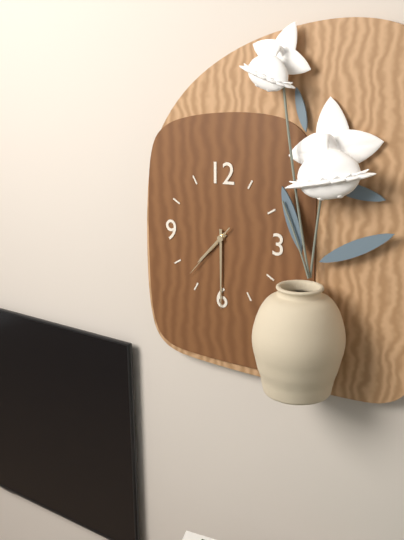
7h30m37s
